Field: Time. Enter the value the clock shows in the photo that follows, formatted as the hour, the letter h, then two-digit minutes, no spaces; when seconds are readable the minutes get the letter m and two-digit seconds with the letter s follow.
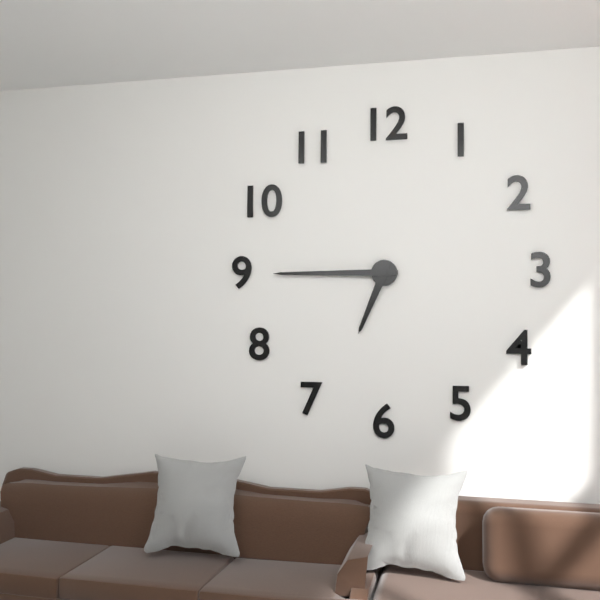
6h45
